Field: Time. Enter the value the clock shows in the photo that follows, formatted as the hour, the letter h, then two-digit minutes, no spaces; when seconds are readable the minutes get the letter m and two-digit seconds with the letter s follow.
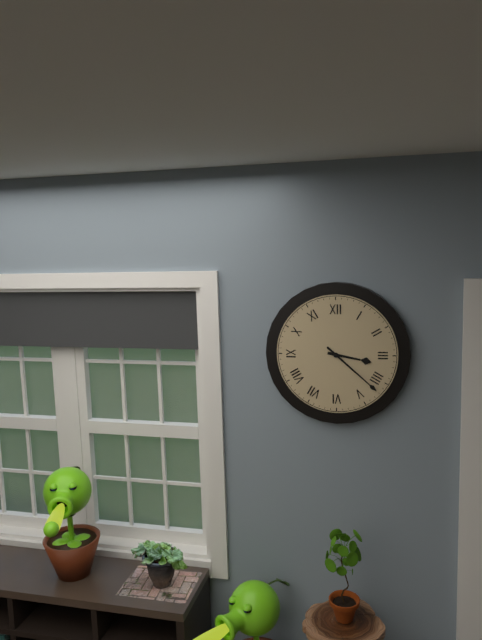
3h22
